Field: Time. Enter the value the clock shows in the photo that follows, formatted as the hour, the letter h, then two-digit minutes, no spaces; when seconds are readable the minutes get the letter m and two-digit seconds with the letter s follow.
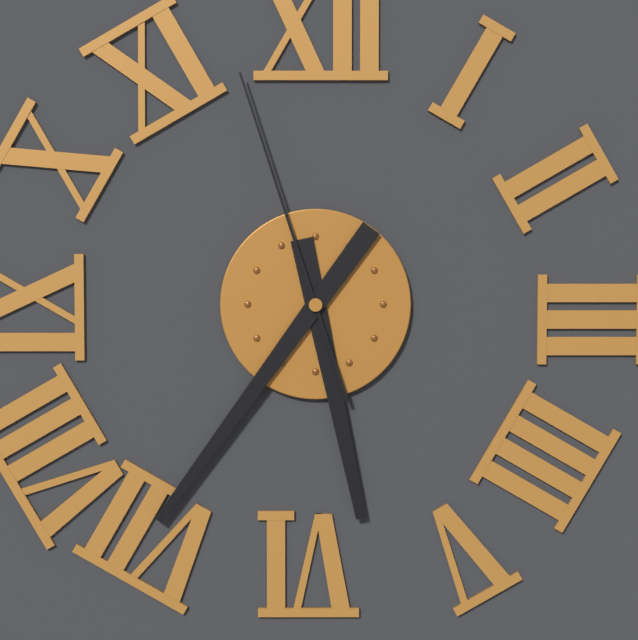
5h36m57s
